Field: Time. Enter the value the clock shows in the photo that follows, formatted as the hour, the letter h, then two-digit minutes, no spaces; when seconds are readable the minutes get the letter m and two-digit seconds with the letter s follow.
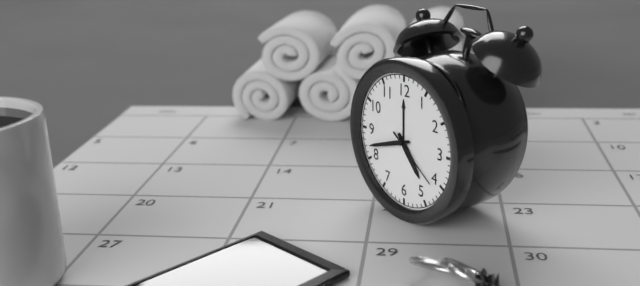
4h42m21s
